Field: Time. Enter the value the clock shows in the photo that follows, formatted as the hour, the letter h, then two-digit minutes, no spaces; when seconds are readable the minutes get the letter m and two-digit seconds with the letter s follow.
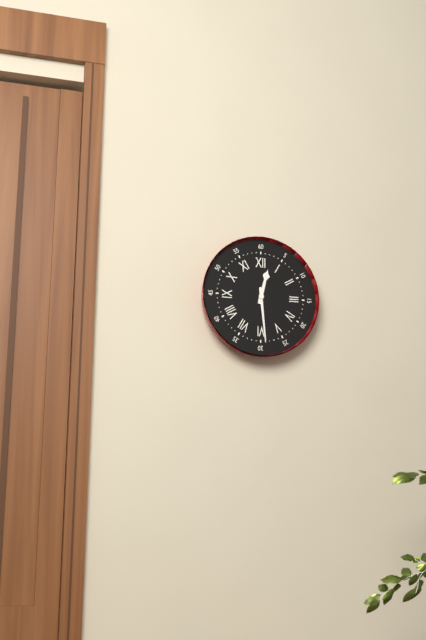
12h29
